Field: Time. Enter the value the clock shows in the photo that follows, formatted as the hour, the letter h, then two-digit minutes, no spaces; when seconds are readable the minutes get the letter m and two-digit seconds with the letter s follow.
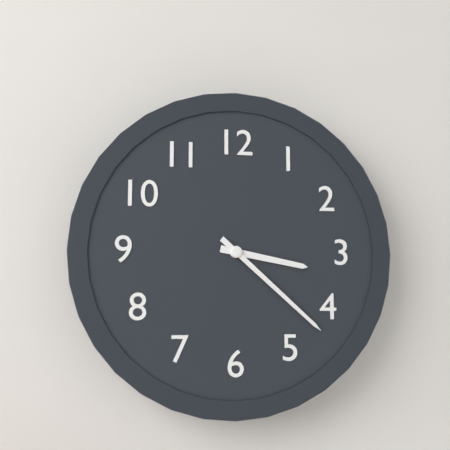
3h22
